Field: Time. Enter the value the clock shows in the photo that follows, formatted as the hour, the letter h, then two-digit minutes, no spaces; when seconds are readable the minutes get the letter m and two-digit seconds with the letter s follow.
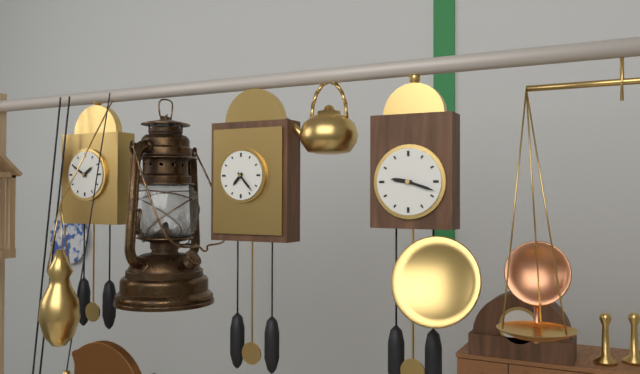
9h18
